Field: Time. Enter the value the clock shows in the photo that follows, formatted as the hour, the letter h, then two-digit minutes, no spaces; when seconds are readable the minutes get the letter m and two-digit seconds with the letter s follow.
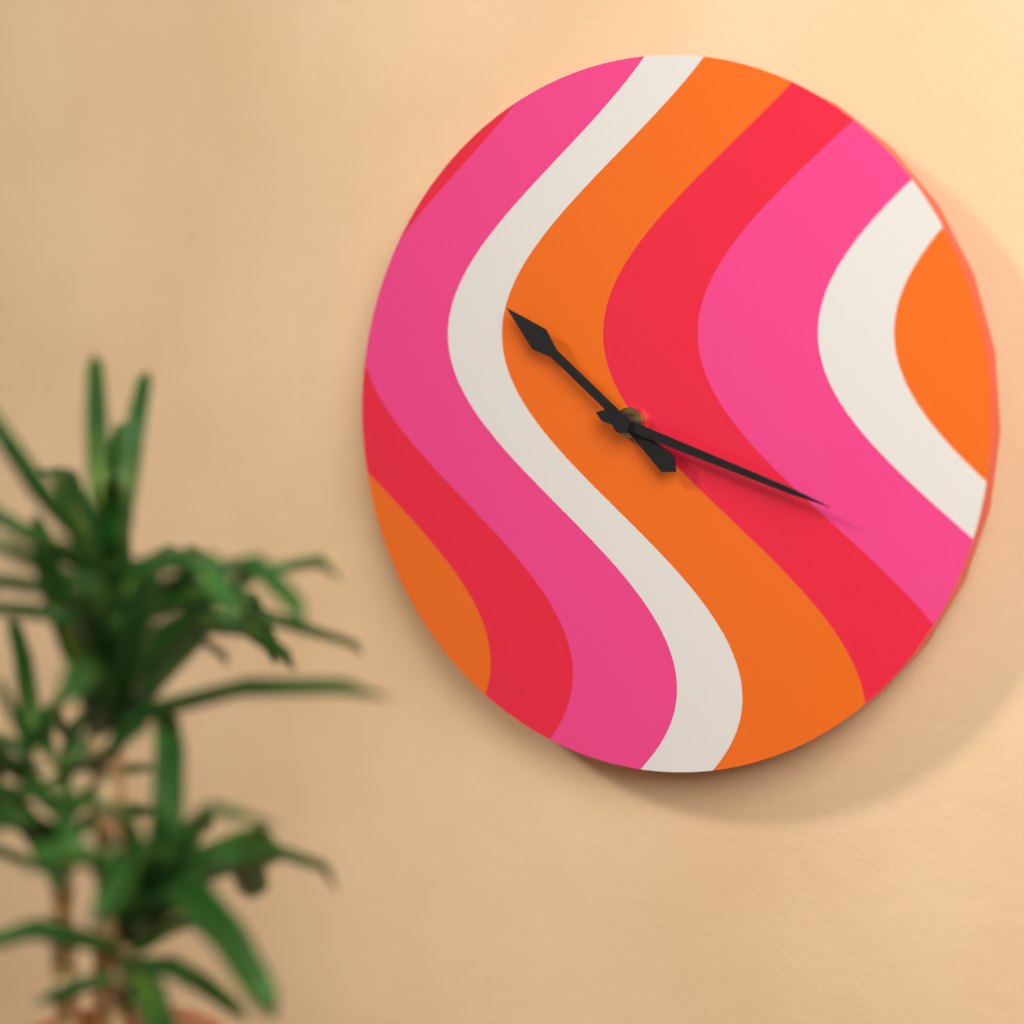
10h18
